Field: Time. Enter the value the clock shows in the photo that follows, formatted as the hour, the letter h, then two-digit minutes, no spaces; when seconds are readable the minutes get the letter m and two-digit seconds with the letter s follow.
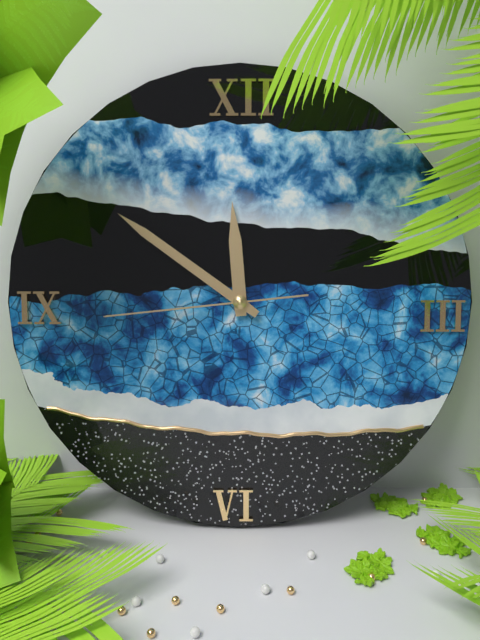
11h51m44s
